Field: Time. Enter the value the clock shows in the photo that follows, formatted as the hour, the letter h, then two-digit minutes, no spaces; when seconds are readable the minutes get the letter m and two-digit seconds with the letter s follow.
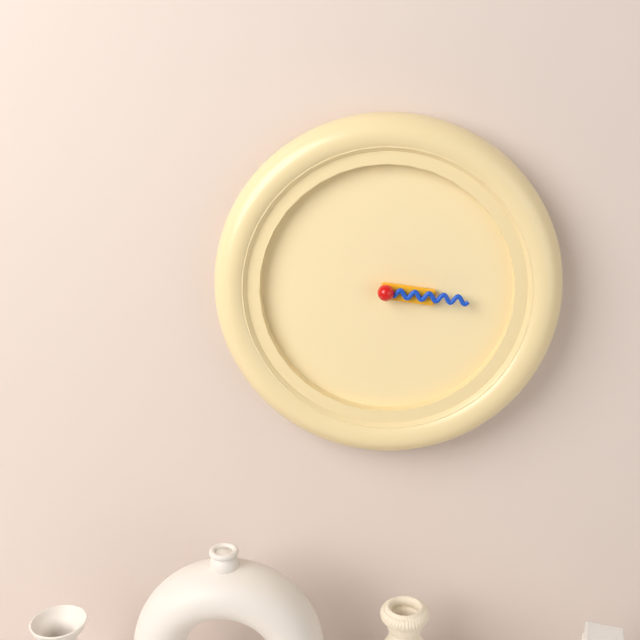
3h16
